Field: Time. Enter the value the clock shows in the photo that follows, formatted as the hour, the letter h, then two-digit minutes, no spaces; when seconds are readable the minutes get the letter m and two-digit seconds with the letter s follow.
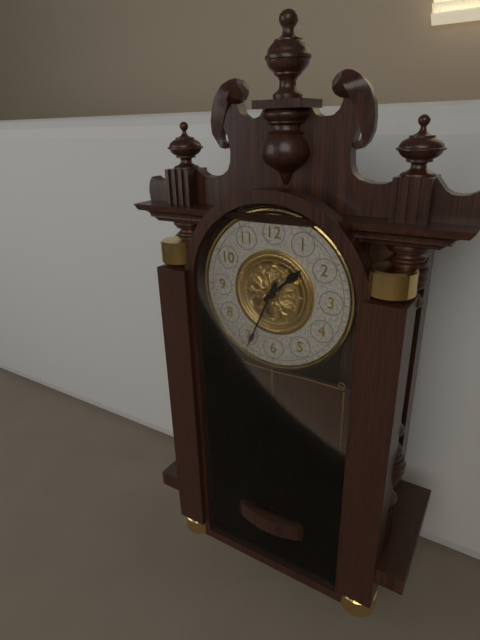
1h34
